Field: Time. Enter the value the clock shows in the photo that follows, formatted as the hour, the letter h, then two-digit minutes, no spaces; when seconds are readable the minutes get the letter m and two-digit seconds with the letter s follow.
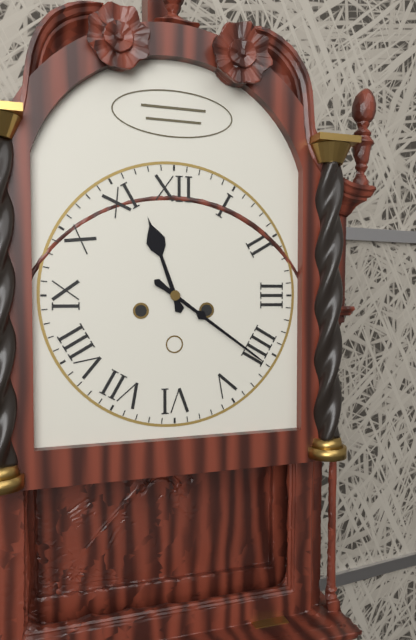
11h21
